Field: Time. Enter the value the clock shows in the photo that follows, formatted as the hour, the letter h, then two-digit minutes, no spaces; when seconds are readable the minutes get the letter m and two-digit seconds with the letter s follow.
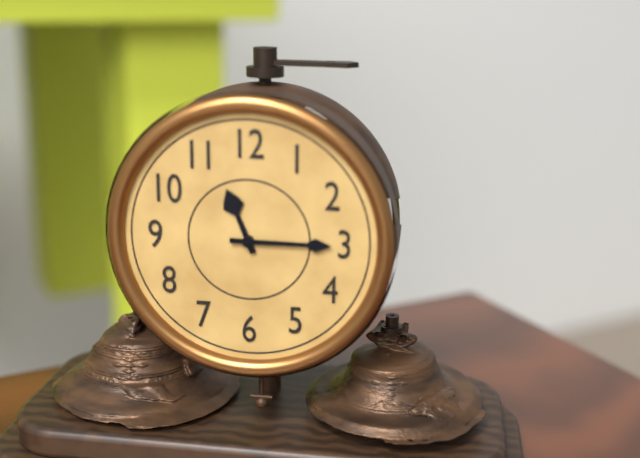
11h15
